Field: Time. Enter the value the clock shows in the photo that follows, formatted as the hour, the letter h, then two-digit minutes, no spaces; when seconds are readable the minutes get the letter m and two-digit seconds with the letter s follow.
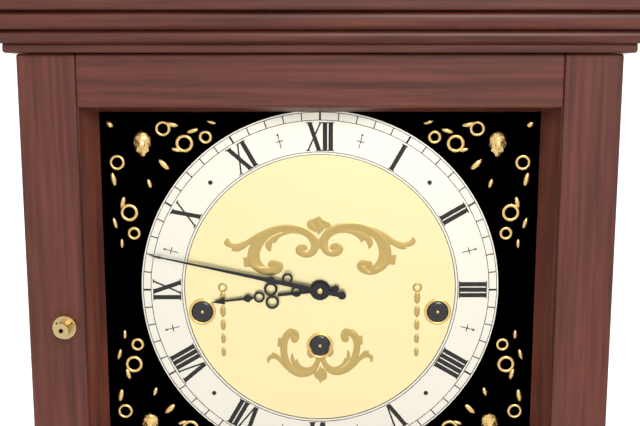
8h47
